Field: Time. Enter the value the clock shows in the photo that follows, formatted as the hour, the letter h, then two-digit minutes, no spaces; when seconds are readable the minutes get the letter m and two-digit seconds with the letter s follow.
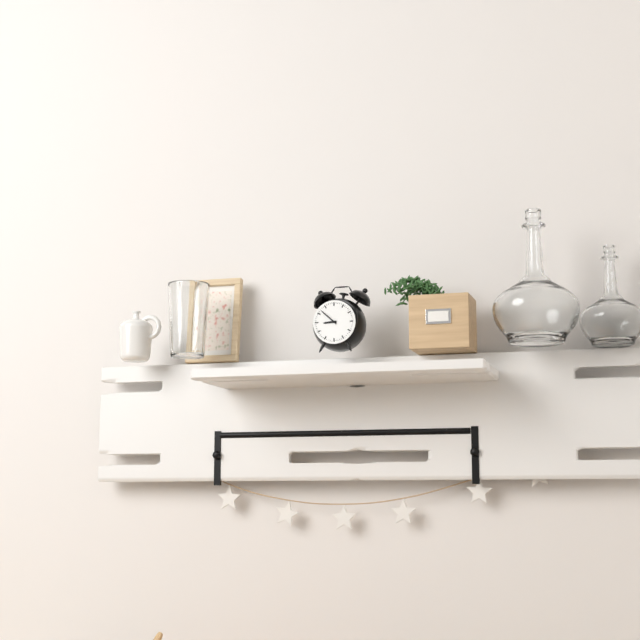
8h52
